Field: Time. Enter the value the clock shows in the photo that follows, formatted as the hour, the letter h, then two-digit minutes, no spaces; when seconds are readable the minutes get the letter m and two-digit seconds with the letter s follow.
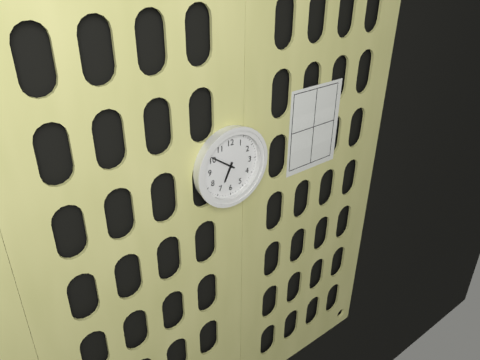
6h51
